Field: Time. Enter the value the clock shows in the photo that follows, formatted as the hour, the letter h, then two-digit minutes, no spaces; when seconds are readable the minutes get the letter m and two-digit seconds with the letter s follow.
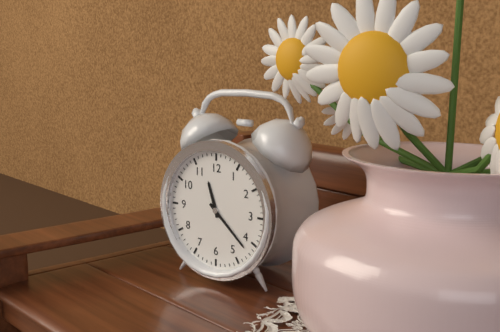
11h22
